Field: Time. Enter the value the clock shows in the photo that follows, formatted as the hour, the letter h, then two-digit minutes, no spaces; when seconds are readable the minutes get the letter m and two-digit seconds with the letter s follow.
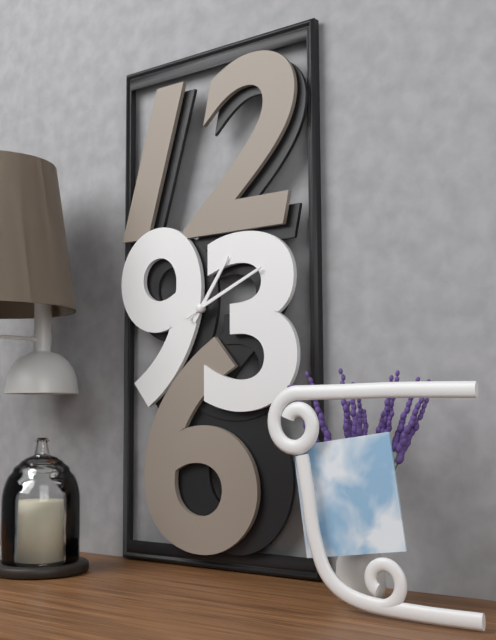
1h11
